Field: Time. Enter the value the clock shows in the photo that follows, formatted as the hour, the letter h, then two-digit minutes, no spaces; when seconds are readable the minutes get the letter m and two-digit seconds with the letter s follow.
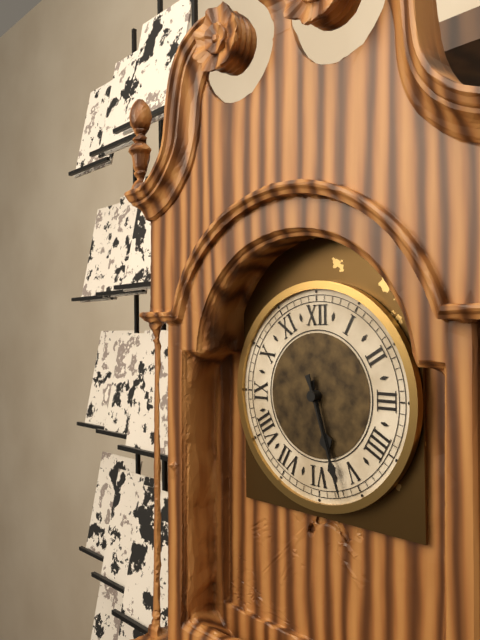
5h27
